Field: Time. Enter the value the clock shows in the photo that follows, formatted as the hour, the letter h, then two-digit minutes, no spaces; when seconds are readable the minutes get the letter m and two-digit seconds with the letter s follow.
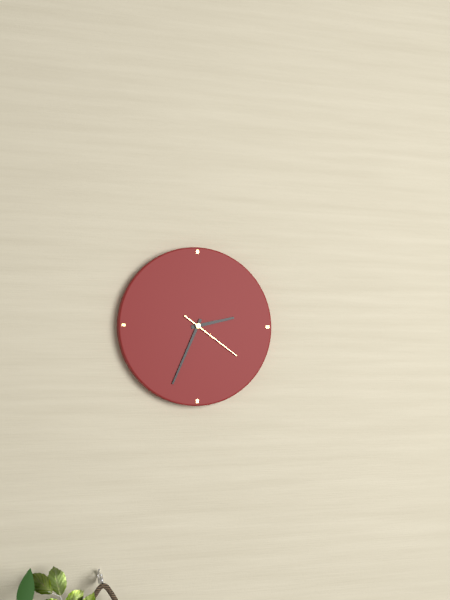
2h34m21s
